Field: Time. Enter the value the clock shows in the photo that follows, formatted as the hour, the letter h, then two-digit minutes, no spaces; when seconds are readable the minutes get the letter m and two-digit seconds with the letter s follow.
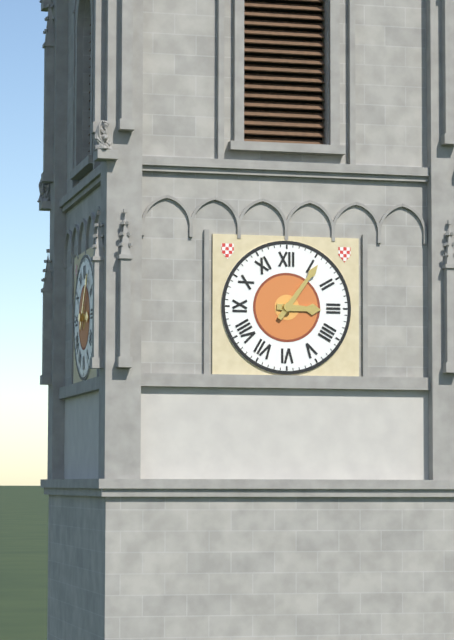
3h06
